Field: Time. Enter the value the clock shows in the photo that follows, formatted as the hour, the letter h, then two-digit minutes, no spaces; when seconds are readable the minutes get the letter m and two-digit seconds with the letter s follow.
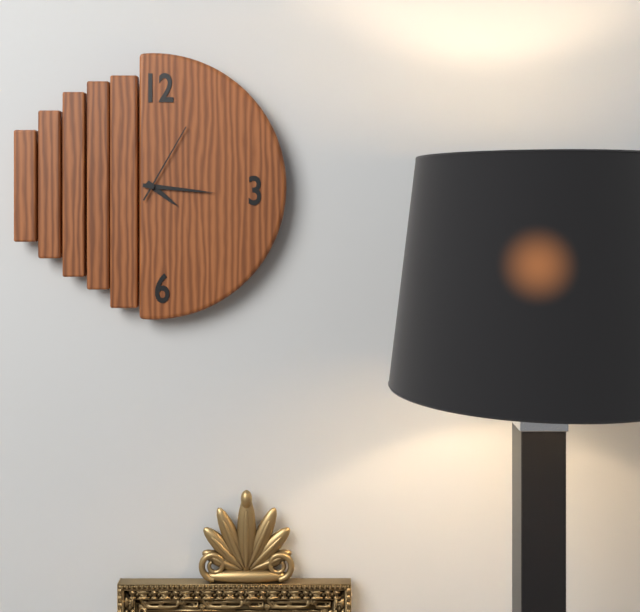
4h16m05s
